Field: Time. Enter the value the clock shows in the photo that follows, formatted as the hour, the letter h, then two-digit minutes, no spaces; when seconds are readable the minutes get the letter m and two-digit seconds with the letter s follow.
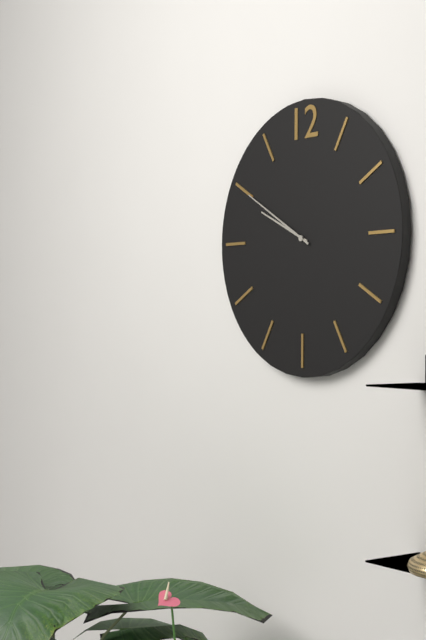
9h50
